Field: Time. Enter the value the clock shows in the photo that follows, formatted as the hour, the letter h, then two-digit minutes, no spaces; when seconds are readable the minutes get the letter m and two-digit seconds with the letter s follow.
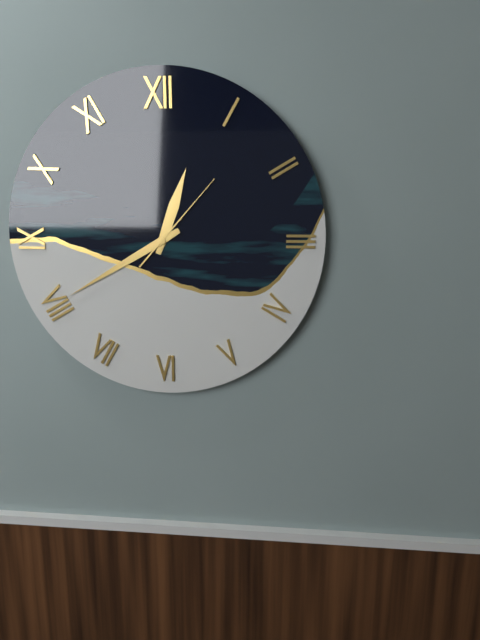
12h40m07s
